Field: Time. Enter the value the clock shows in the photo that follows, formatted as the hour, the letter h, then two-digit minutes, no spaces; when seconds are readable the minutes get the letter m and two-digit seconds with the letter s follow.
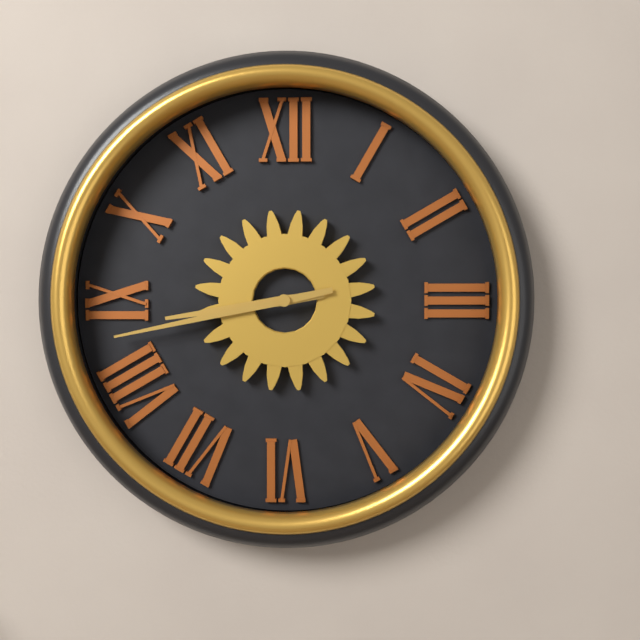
8h43
